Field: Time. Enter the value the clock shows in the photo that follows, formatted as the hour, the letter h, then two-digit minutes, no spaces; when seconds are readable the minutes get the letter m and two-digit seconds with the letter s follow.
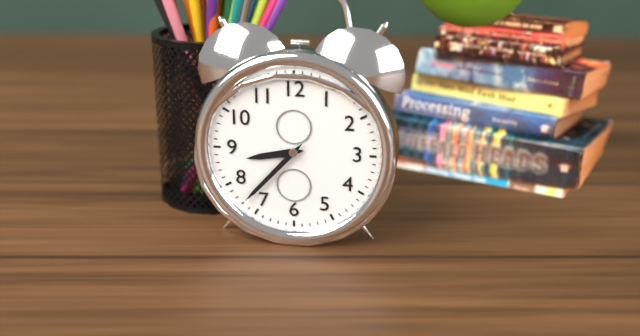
8h37
